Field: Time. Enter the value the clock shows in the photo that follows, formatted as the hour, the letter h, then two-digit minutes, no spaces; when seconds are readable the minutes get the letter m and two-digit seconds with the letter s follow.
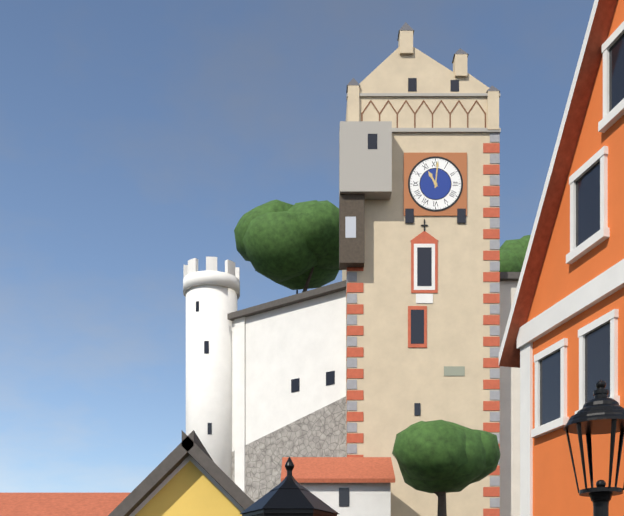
11h01
